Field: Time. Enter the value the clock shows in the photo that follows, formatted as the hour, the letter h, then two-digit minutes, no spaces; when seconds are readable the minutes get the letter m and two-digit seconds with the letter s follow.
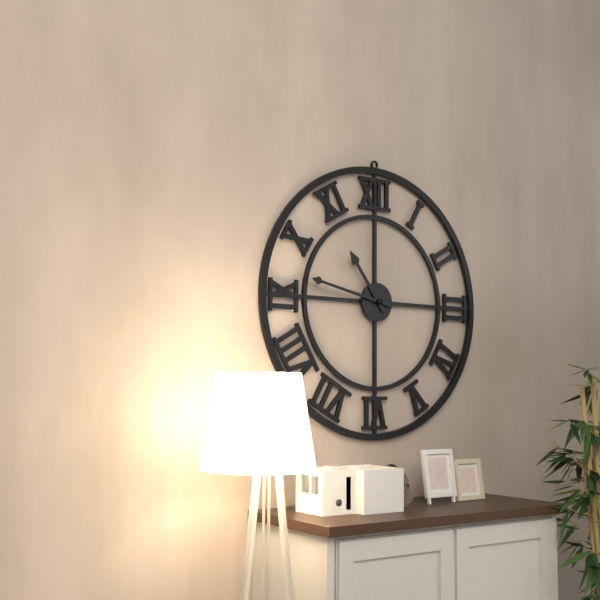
10h47
